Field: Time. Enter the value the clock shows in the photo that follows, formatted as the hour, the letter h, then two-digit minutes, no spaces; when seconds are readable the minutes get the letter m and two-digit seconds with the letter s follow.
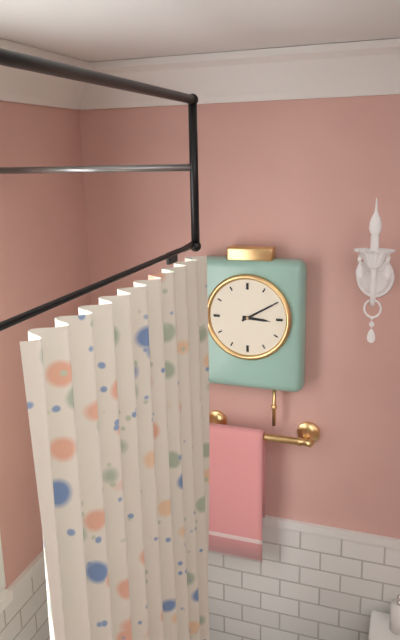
3h10
